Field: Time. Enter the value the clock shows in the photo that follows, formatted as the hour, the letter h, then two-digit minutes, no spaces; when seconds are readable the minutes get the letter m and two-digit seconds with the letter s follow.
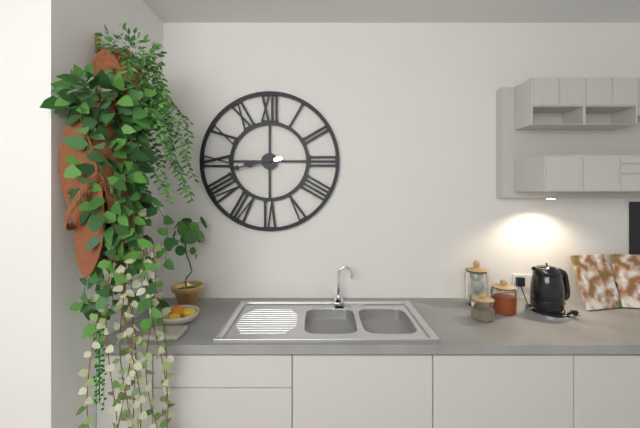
8h43
